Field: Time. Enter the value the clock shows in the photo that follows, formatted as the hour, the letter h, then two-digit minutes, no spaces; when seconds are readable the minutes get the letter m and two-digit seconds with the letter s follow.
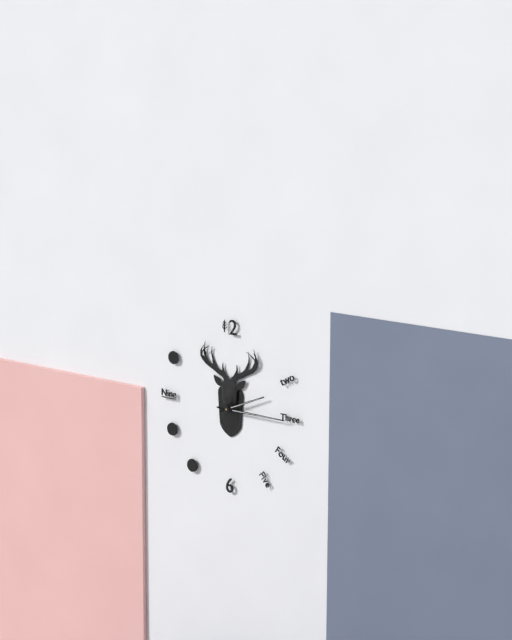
2h15
